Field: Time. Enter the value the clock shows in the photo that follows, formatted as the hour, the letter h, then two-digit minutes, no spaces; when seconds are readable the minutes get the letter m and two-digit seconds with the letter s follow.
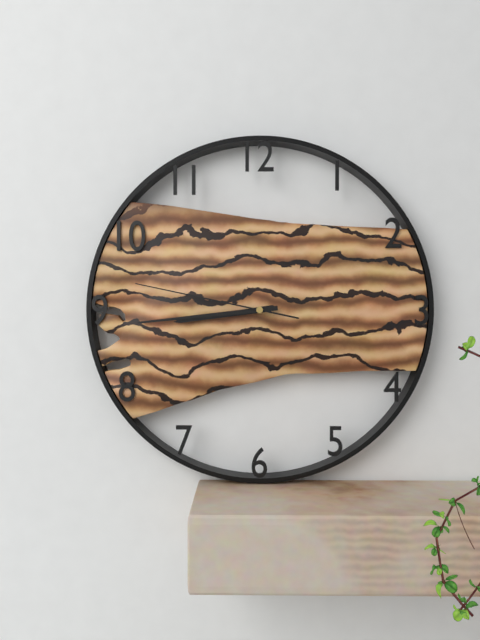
8h44m47s
